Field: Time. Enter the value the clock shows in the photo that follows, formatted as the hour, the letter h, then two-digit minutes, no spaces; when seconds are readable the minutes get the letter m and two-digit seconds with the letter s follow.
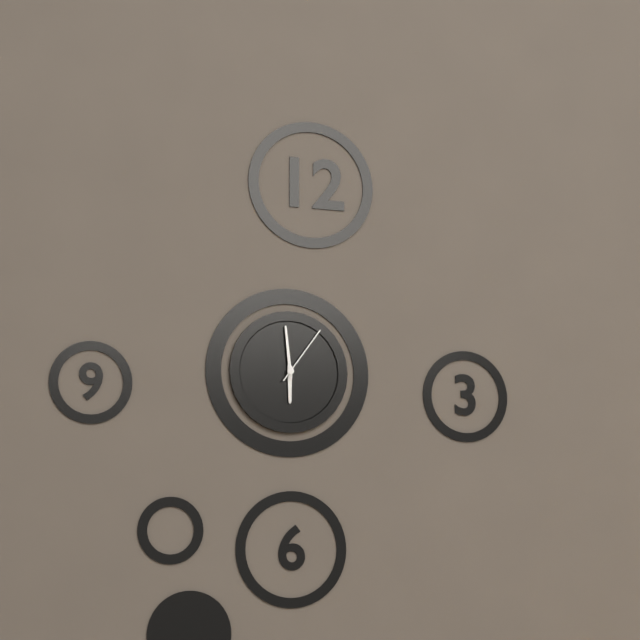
5h59m06s
